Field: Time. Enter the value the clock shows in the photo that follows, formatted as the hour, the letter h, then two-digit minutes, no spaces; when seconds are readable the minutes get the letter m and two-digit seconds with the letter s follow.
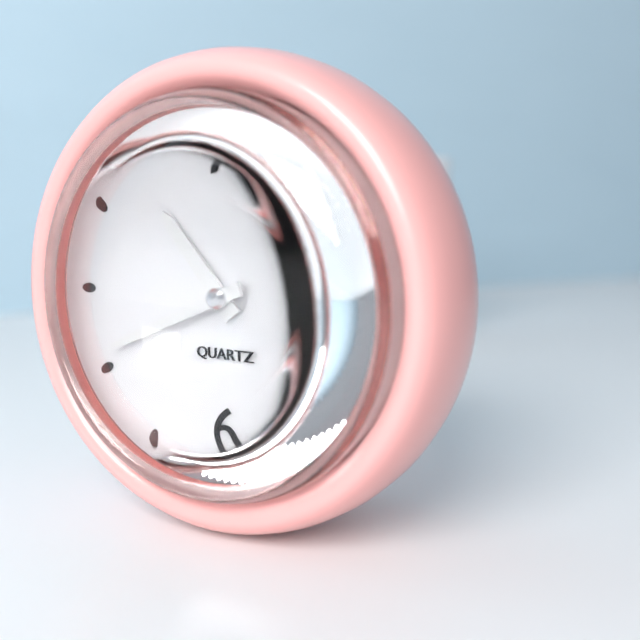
10h41
